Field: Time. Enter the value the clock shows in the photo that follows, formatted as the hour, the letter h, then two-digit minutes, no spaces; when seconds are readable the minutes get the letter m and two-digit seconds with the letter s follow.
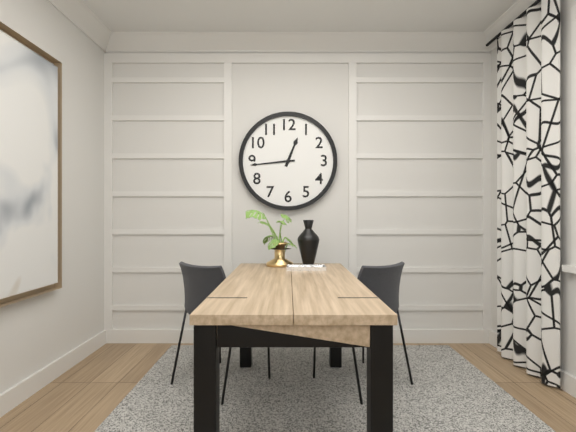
12h44
